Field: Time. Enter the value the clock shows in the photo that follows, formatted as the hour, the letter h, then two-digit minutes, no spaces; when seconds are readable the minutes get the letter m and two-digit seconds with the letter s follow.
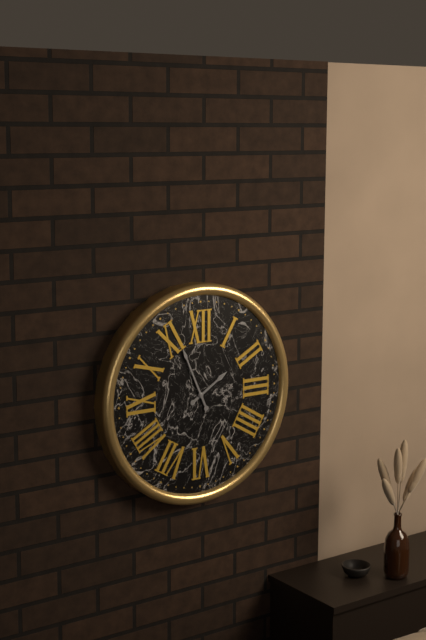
1h56
